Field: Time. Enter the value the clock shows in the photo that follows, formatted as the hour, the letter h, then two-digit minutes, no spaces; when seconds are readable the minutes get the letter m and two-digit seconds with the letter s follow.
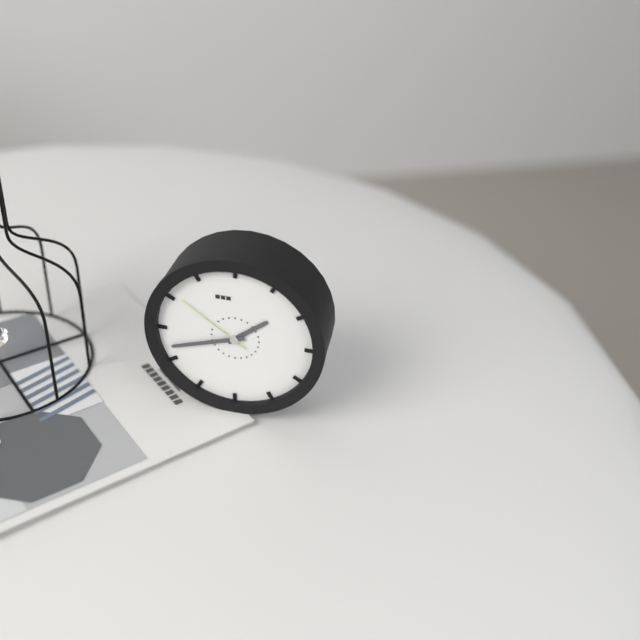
1h42m51s
